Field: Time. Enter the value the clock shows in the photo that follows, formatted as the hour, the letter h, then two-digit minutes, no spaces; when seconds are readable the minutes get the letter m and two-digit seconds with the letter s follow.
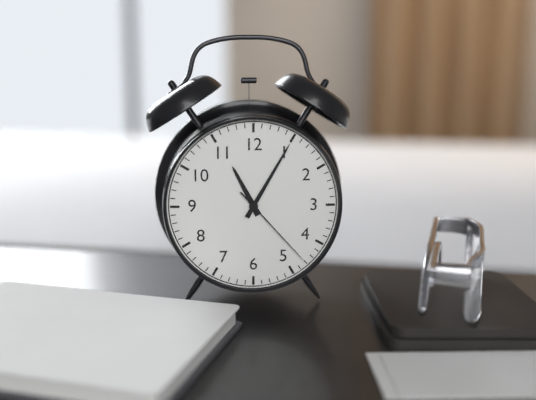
11h05m23s
